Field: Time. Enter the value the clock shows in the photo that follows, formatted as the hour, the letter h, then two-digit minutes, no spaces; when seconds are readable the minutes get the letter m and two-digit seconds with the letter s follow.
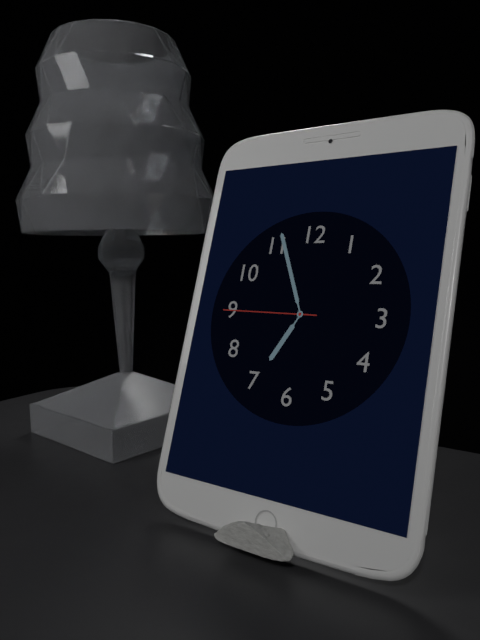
6h56m45s
